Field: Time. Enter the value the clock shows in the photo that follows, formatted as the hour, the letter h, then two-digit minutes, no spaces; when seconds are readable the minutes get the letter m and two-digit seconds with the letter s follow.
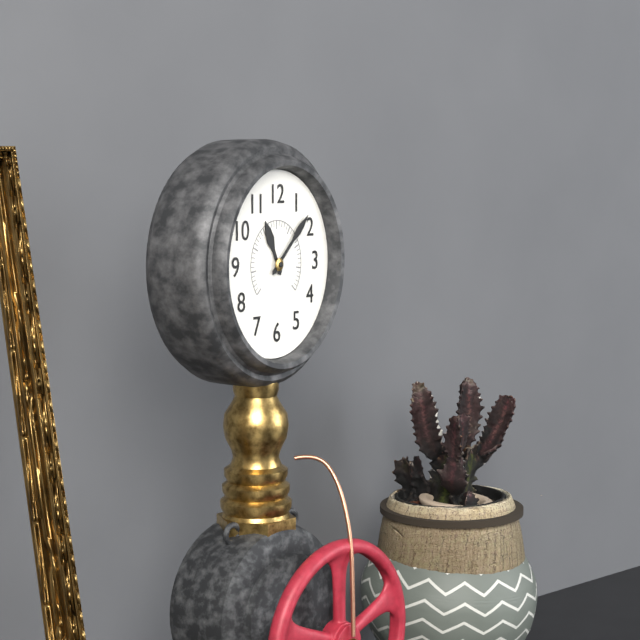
11h08
